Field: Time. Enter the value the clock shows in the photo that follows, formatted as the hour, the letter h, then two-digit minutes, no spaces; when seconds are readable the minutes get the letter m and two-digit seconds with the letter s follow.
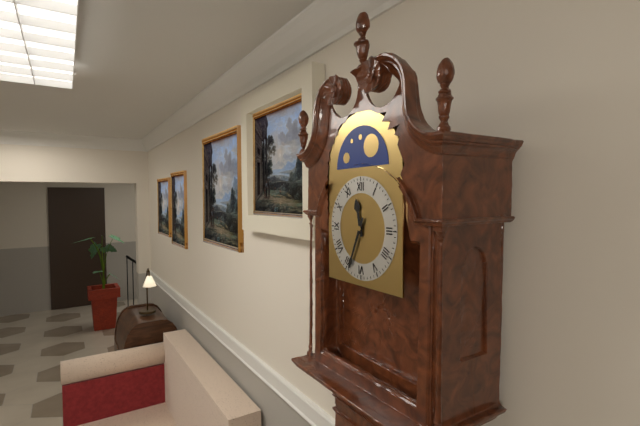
11h34
